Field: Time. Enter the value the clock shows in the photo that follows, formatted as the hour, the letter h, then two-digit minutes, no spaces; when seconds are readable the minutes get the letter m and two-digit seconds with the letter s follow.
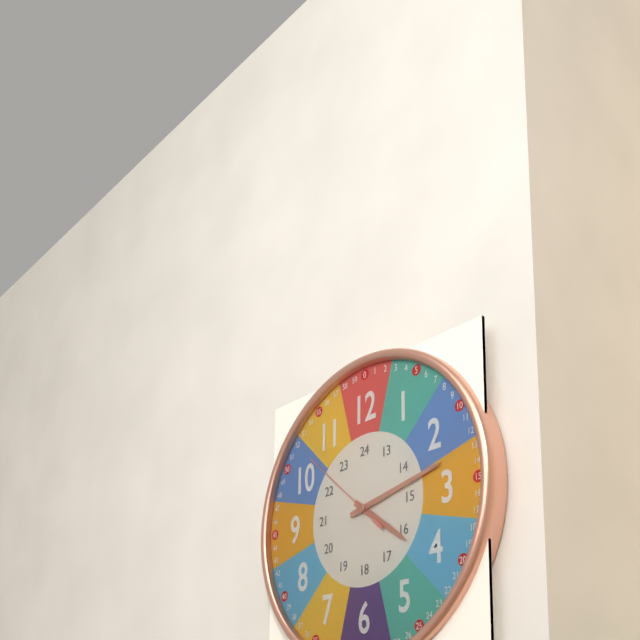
4h13m52s
